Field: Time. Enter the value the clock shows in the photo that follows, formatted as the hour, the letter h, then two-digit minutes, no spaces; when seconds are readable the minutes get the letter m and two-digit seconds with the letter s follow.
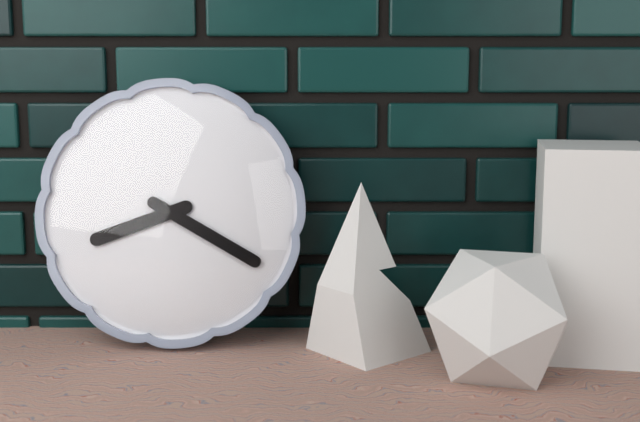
8h20
